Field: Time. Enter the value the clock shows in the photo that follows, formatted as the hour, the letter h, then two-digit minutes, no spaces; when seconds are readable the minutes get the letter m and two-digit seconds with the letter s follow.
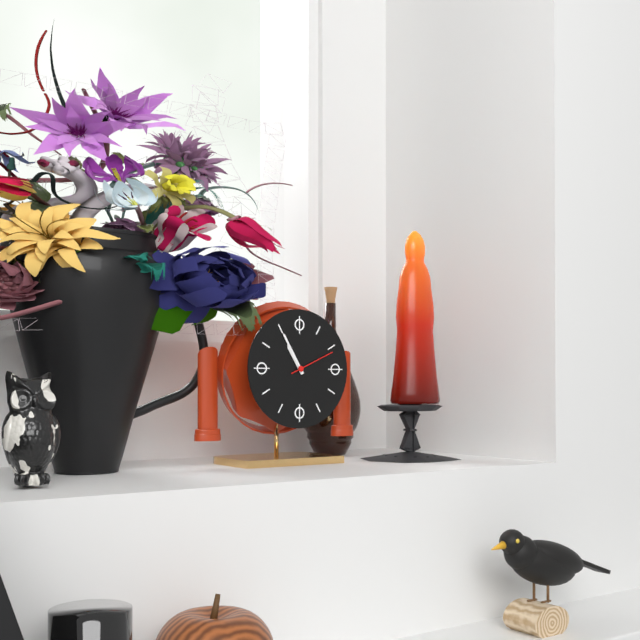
10h55
